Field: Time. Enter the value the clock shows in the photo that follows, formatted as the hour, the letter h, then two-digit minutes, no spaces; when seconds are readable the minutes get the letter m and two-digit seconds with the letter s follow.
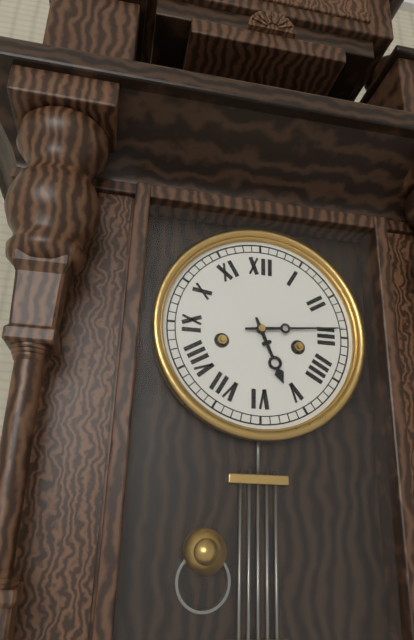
5h14
